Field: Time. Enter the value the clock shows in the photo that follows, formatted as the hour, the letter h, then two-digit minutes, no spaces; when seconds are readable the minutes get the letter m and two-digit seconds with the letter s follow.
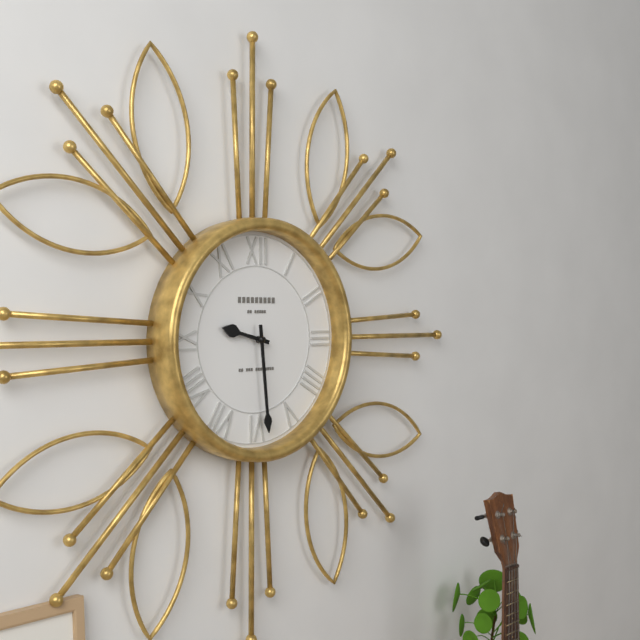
9h29
